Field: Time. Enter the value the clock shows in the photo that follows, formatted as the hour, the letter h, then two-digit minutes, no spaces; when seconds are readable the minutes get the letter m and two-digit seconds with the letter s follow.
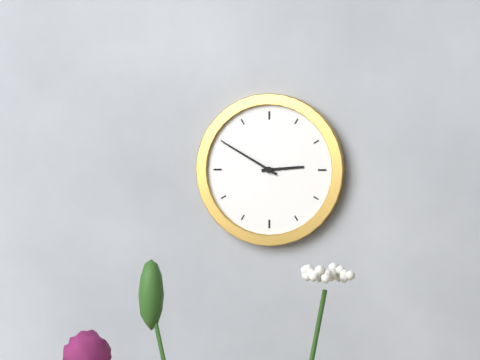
2h50
